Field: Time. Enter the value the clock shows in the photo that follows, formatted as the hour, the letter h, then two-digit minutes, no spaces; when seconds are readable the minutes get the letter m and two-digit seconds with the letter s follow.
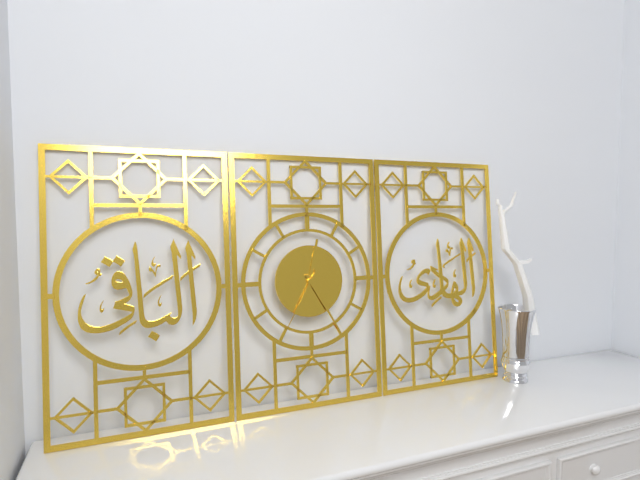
12h25m35s
